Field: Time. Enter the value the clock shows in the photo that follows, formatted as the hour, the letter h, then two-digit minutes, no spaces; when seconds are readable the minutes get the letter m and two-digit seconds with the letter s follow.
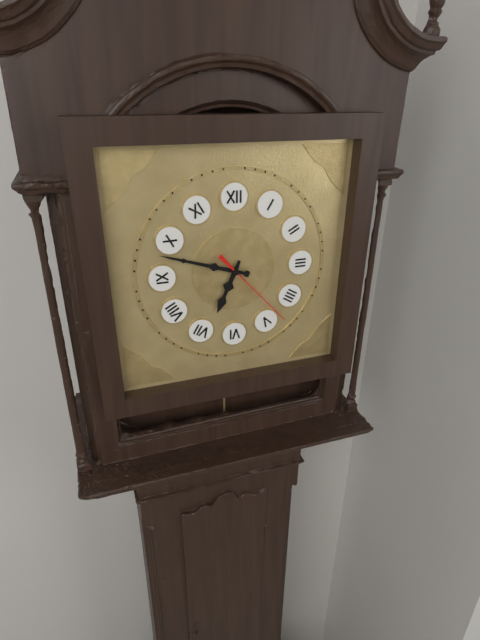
6h48m23s
